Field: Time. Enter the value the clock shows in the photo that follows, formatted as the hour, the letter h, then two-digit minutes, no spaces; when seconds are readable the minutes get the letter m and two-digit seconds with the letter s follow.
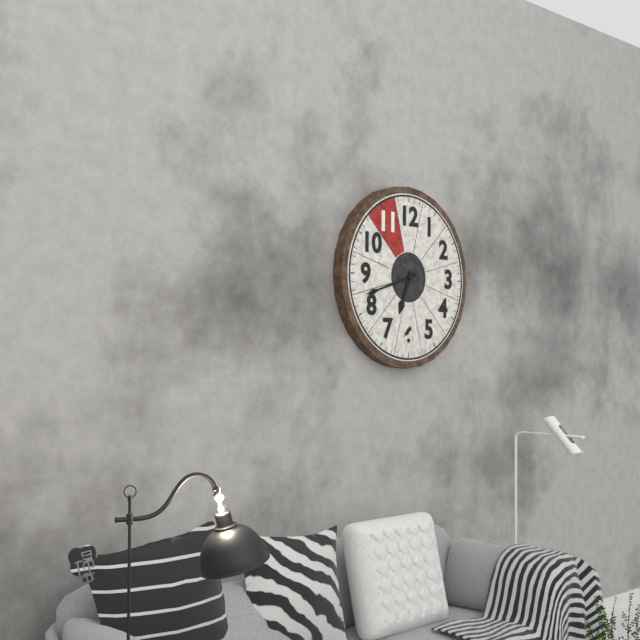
6h42
